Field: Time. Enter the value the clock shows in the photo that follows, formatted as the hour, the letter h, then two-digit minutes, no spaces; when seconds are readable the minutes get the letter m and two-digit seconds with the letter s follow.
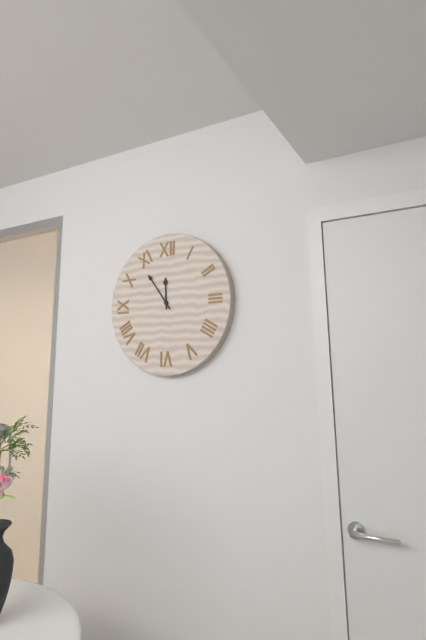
11h54
